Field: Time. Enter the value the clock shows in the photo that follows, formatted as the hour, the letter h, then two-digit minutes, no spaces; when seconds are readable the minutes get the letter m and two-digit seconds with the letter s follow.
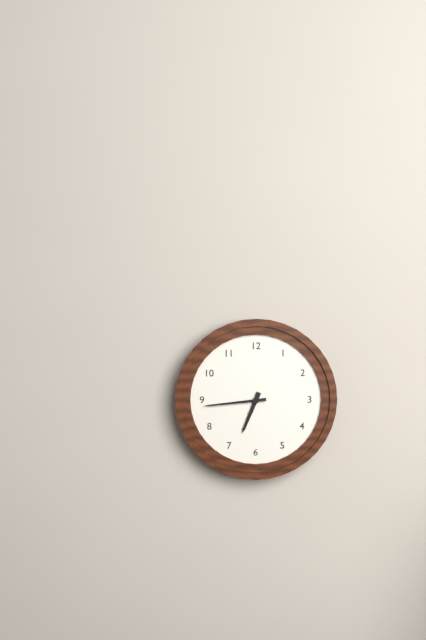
6h44
